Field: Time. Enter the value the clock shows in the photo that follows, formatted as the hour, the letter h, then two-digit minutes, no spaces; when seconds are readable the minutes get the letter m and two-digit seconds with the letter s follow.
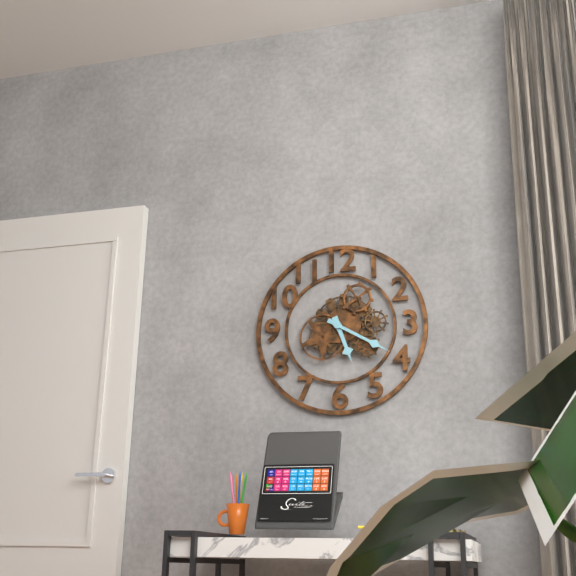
5h20
